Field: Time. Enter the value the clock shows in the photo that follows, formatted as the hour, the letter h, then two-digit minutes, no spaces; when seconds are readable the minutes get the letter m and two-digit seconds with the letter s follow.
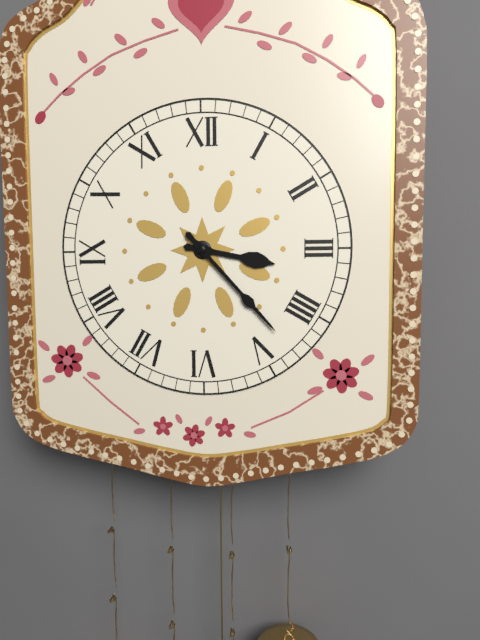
3h23
